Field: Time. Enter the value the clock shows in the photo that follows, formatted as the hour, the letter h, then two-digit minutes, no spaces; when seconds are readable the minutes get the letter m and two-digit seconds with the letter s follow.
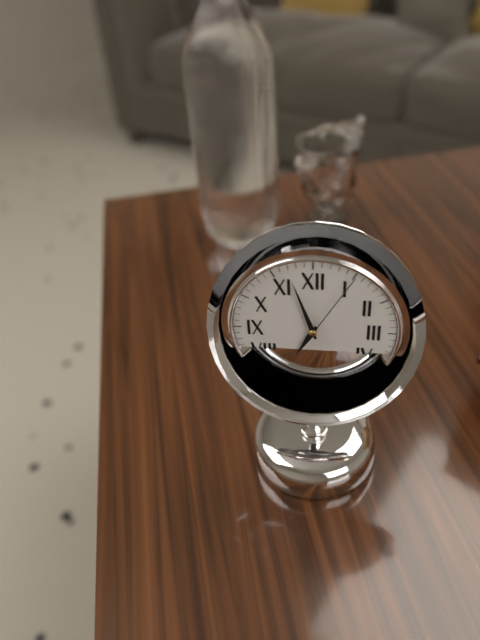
6h57m05s
